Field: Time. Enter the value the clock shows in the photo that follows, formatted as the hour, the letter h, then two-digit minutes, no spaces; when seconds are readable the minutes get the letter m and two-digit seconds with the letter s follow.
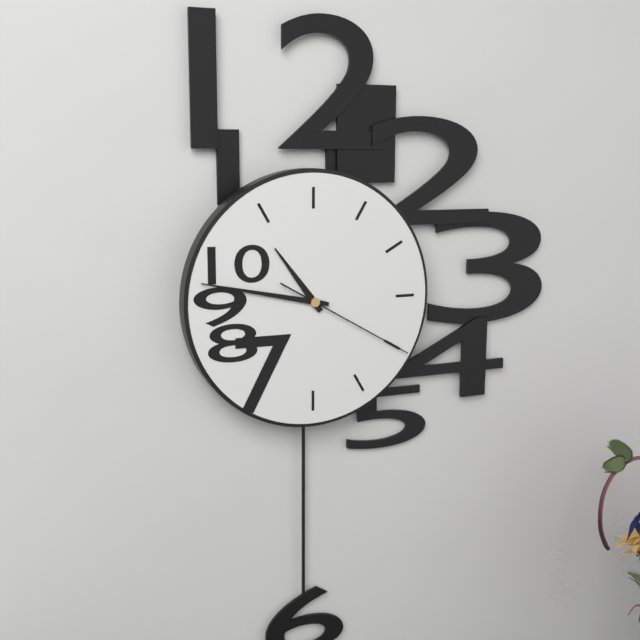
10h47m20s
